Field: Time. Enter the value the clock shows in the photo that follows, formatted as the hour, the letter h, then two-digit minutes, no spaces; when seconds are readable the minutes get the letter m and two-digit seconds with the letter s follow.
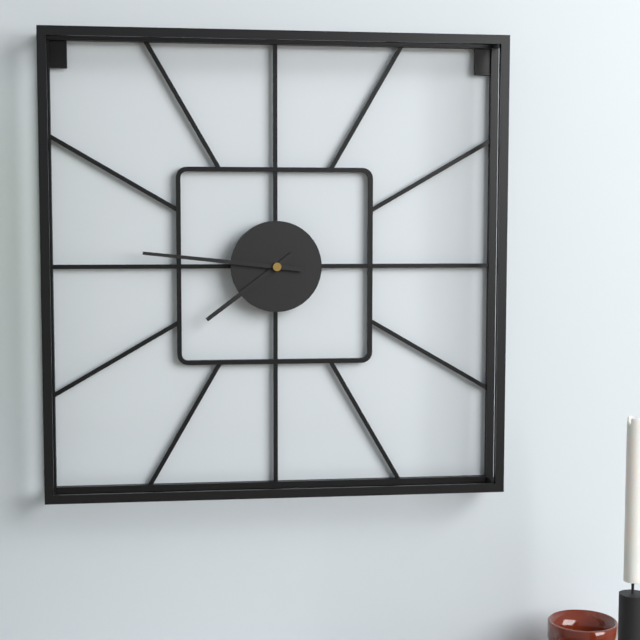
7h46
